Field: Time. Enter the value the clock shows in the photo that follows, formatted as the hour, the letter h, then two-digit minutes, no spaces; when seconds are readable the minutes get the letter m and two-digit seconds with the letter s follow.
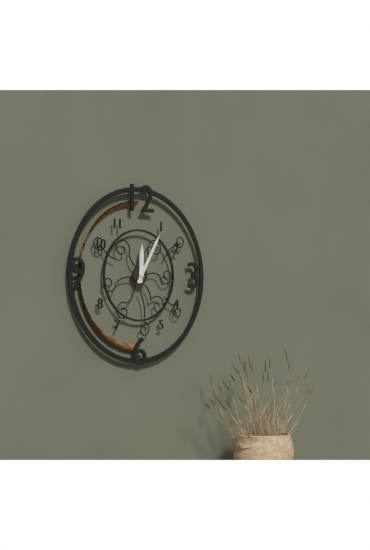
12h05
